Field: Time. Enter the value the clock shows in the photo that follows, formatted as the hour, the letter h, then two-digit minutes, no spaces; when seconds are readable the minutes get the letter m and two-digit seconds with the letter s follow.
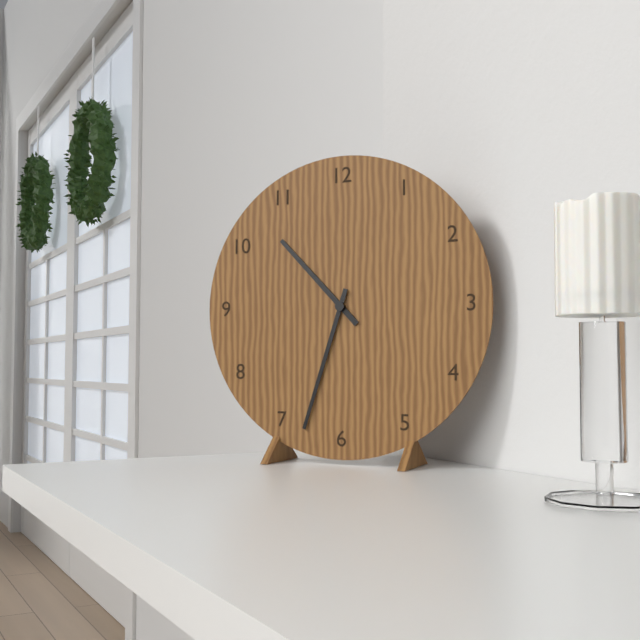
10h33
